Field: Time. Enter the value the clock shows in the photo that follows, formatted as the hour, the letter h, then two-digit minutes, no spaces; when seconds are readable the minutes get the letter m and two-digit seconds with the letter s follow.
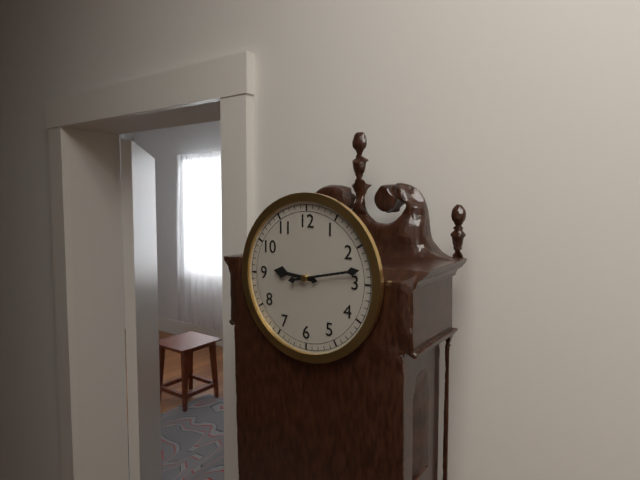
9h13
